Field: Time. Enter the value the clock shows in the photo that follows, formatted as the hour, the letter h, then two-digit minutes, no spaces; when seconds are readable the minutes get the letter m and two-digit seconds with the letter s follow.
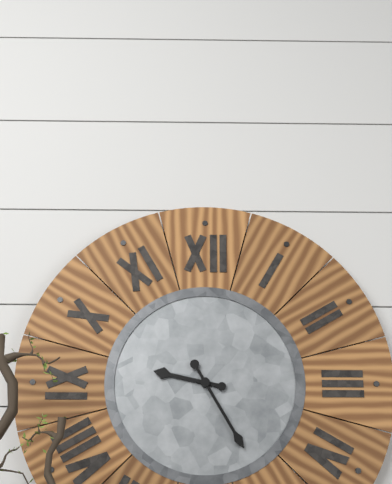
9h25
